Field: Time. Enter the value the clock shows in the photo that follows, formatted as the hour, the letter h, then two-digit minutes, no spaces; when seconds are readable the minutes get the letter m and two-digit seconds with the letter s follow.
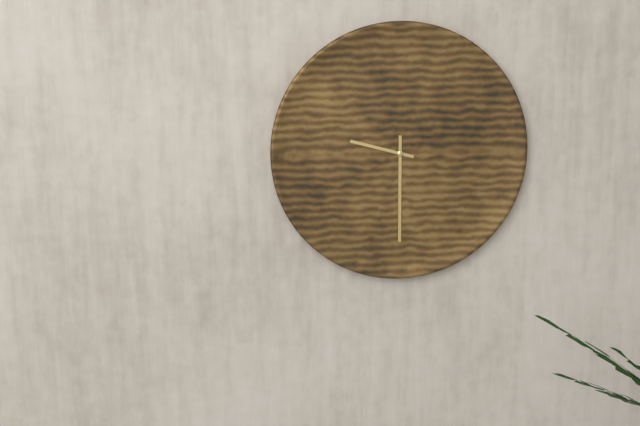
9h30
